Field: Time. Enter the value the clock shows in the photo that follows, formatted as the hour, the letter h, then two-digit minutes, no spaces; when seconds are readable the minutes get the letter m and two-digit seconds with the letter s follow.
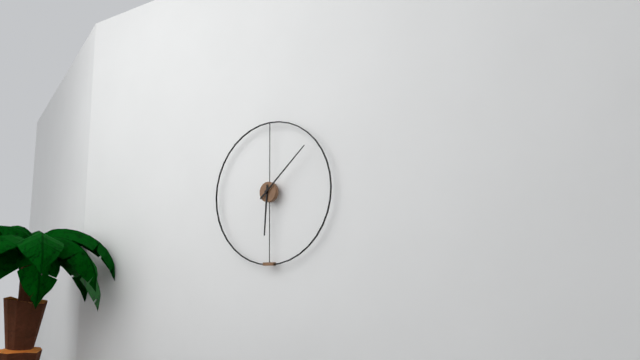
6h08
